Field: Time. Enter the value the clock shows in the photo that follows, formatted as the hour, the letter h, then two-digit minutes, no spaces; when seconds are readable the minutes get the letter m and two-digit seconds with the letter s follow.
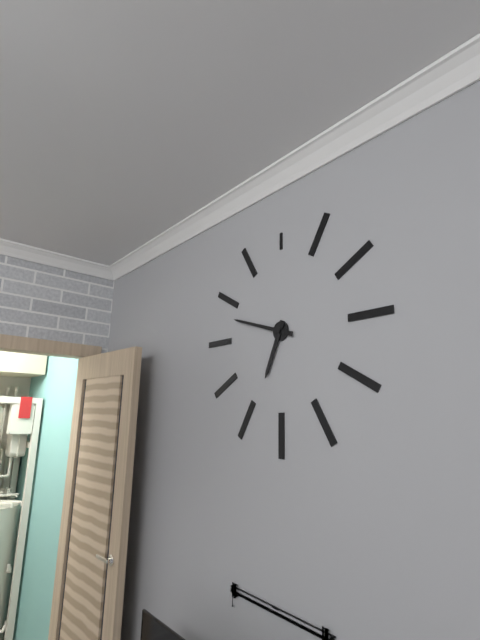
6h48
